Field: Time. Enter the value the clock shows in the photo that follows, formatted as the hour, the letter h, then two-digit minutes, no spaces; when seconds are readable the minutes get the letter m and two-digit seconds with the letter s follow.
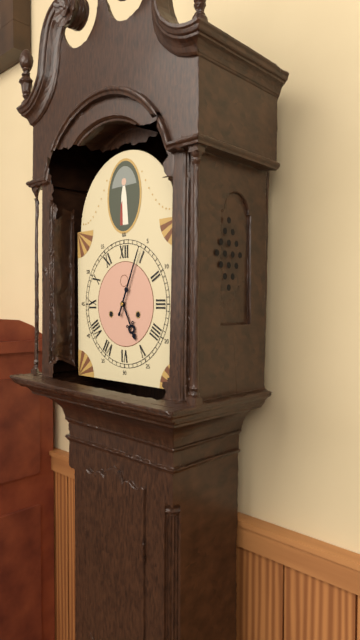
5h04
